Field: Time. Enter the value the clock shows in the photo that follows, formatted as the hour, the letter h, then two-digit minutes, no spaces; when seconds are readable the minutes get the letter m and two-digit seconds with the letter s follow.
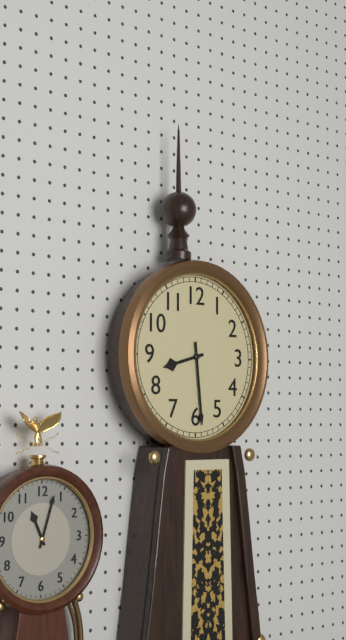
8h29
